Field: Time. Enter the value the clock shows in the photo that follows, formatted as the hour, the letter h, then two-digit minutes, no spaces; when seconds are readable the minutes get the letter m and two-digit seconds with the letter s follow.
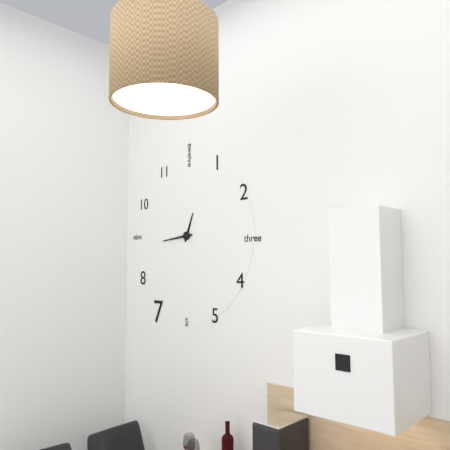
12h44
